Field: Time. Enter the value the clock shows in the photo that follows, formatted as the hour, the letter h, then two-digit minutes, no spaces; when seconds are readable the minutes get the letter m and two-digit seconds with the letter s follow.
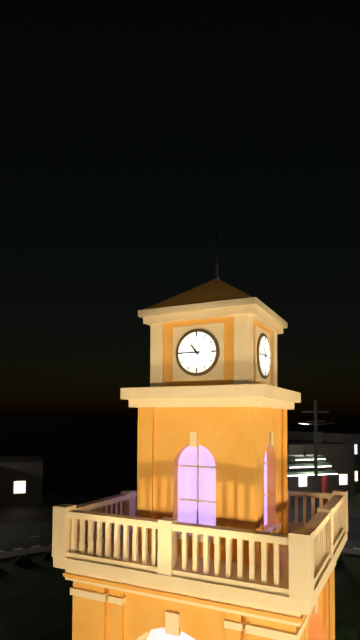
10h45
